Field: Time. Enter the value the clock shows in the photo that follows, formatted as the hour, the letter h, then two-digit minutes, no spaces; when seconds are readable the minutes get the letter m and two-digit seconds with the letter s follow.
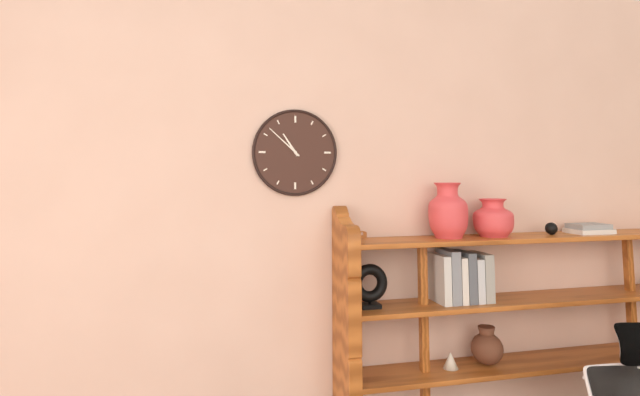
10h52
